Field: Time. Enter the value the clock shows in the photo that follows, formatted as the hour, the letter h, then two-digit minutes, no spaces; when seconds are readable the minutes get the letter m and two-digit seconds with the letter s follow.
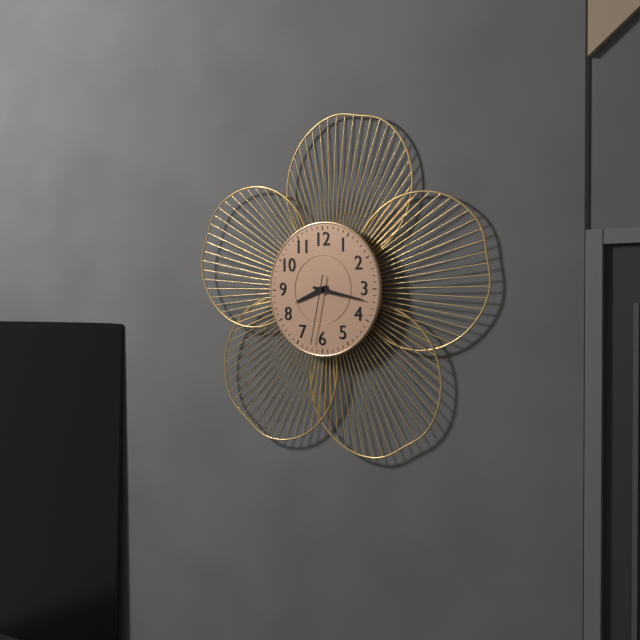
8h17m32s
